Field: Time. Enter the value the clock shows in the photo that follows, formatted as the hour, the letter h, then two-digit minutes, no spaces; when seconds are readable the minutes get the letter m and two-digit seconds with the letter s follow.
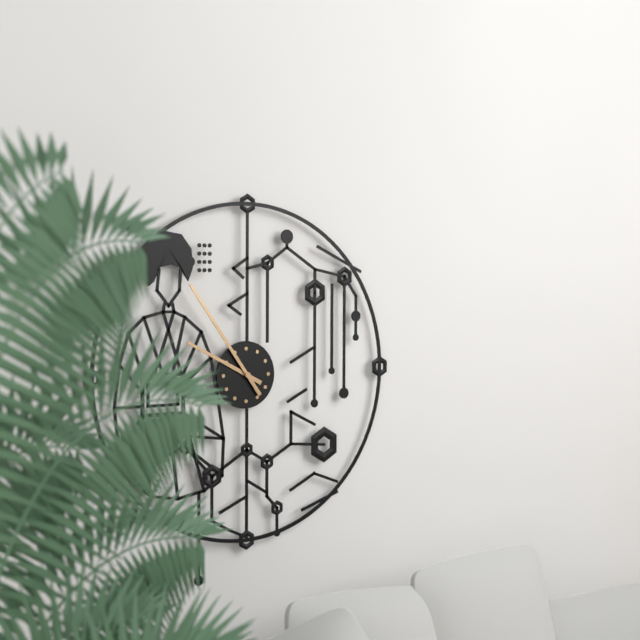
9h54
